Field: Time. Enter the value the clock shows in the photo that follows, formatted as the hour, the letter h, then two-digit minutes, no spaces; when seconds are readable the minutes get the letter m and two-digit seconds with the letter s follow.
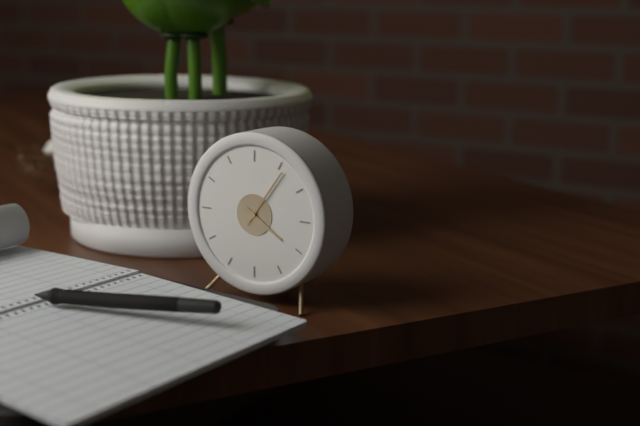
4h06
